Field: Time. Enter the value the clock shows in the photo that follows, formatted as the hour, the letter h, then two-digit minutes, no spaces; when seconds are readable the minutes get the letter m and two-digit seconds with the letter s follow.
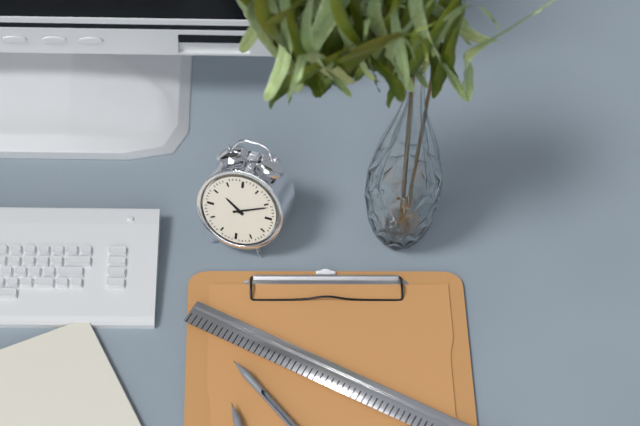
10h11
